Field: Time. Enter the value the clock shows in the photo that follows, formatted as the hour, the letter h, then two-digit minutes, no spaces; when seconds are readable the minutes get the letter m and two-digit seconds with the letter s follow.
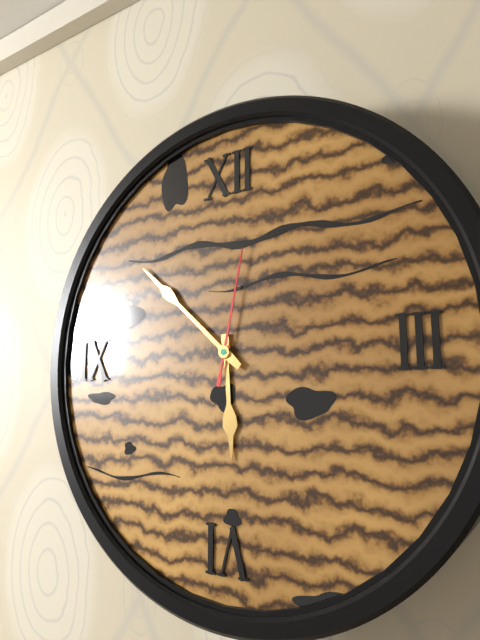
5h52m02s
